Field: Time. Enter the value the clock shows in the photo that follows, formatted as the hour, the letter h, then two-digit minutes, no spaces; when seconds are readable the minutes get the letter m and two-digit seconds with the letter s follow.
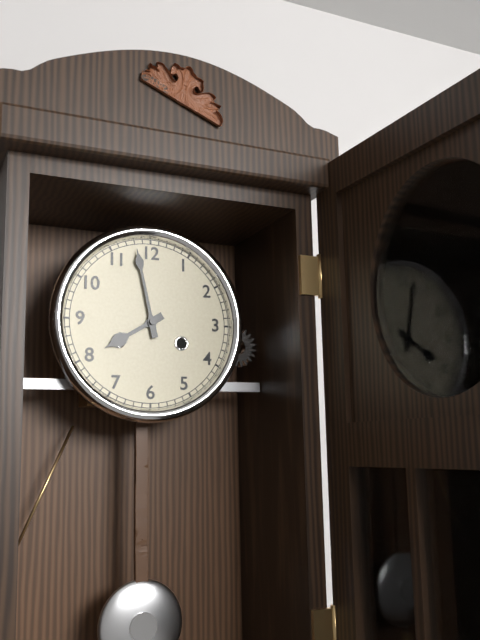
7h58
